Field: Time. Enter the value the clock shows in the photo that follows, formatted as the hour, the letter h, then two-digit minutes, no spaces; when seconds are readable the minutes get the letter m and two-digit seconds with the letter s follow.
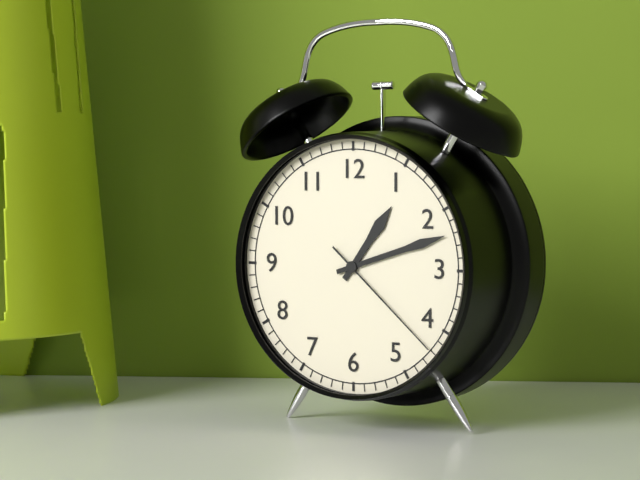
1h12m22s
